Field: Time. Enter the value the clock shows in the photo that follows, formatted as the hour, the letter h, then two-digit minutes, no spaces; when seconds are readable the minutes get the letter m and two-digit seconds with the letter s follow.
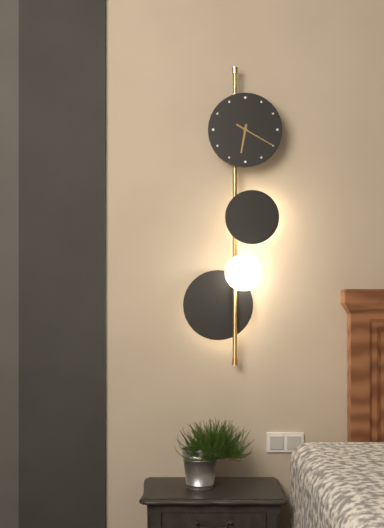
6h20
